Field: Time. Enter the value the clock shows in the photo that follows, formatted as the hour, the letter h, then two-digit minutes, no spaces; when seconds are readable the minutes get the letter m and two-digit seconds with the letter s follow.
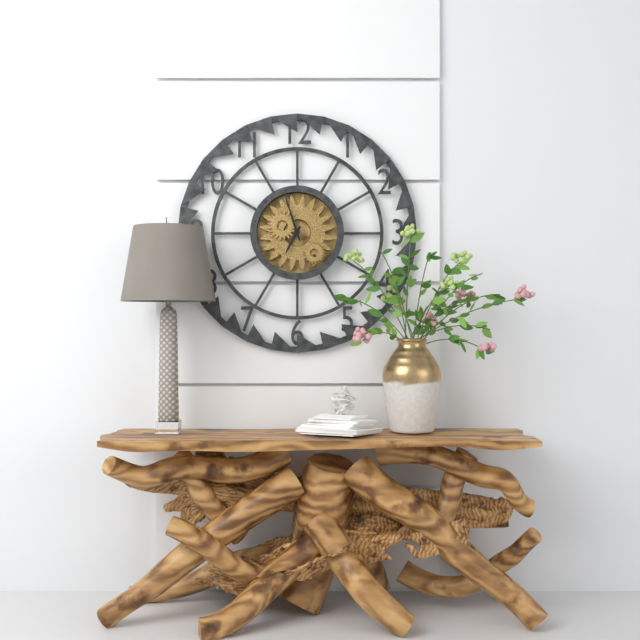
6h57
